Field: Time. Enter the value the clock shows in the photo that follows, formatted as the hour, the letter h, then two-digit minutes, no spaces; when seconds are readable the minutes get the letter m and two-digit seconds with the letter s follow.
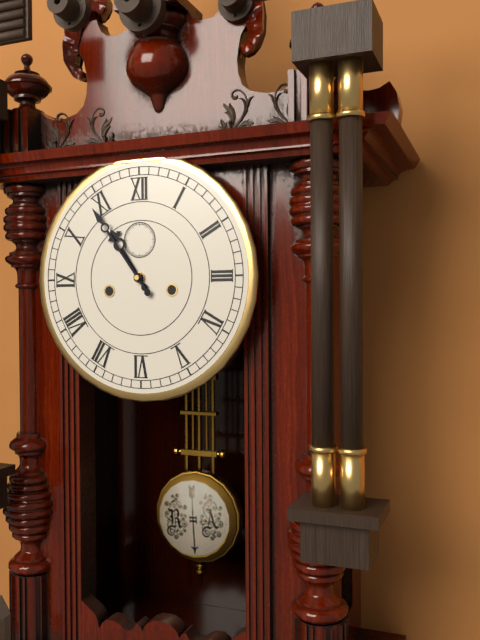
10h54
